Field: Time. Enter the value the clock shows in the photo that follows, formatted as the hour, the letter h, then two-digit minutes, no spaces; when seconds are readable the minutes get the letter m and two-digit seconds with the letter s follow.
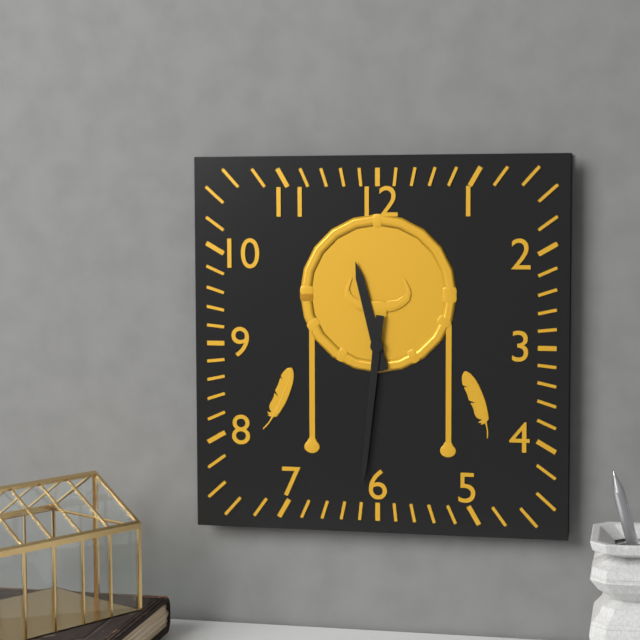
11h31
